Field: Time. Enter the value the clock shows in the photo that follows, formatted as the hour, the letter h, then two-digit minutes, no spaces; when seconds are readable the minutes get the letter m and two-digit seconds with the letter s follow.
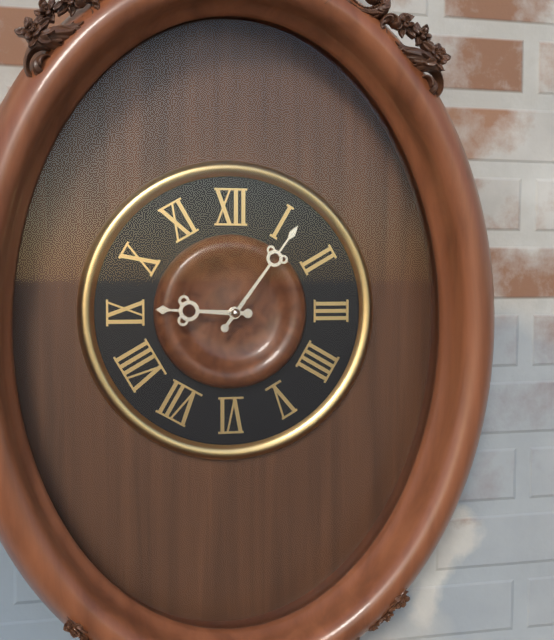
9h06
